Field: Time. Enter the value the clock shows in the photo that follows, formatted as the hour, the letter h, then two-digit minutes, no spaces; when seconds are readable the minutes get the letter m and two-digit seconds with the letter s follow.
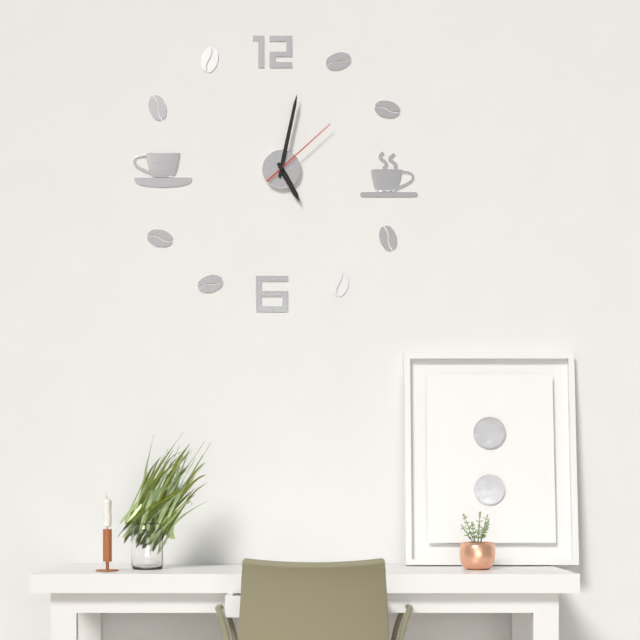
5h02m08s
